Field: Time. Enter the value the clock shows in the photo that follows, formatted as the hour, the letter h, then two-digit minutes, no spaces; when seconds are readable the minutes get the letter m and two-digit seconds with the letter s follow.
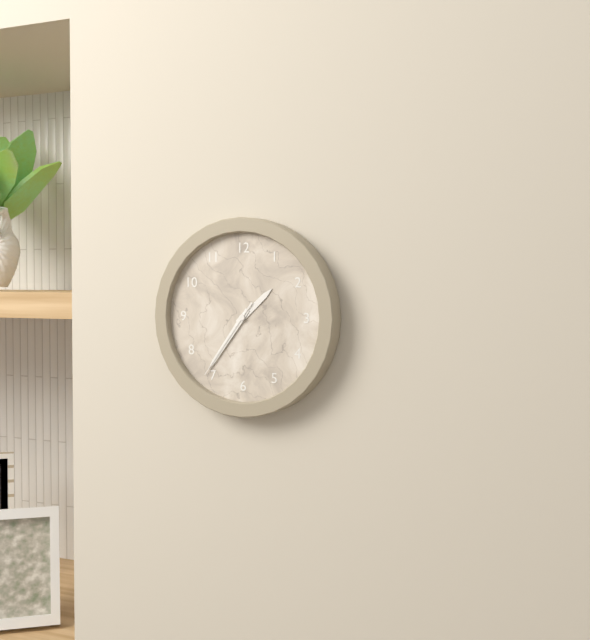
1h36m36s
